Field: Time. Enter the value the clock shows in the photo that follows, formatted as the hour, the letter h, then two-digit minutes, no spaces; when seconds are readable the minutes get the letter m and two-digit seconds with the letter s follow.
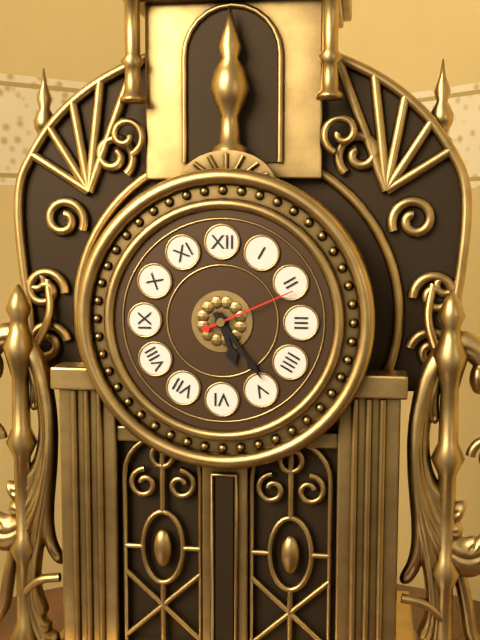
5h24m11s
